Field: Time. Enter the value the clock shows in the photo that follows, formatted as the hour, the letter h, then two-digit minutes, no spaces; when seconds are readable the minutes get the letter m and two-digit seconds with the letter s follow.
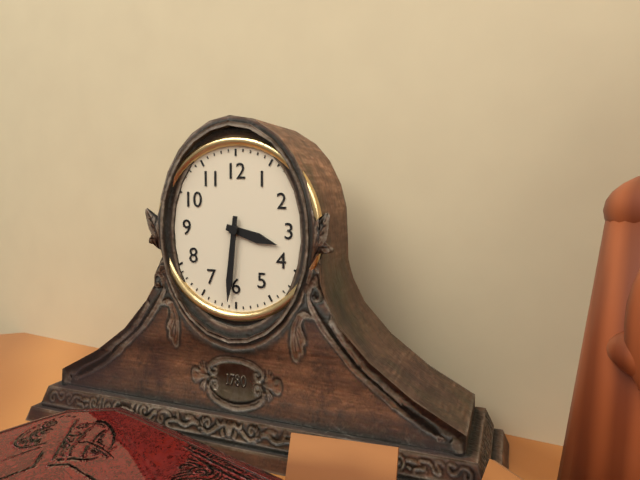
3h31
